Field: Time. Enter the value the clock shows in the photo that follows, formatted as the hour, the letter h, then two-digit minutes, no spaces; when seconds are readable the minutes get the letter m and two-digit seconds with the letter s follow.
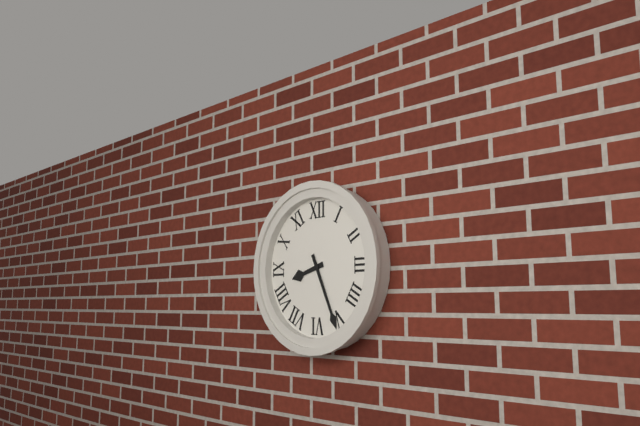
8h26
